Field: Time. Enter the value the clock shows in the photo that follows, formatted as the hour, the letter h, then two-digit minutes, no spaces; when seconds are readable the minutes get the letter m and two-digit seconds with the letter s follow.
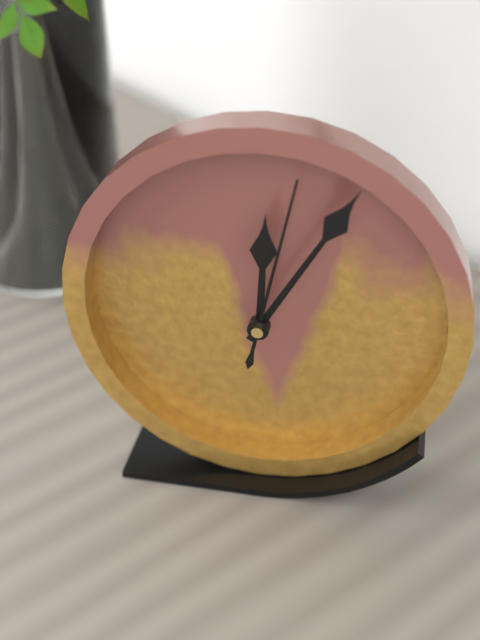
12h05m02s
